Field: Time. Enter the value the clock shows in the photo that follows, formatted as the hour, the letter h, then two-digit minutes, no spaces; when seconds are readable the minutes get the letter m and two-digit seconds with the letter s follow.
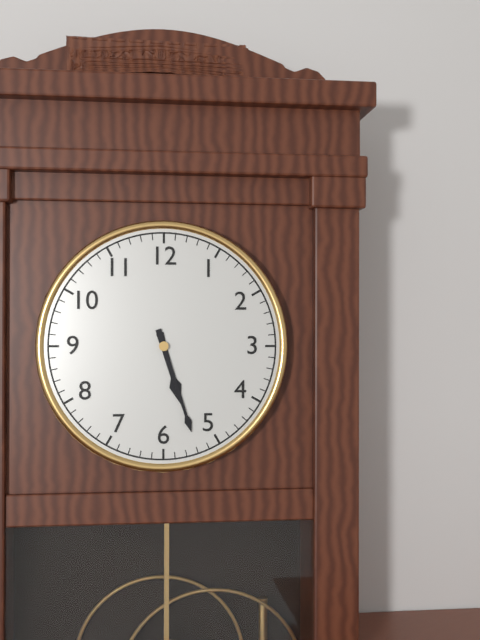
5h27
